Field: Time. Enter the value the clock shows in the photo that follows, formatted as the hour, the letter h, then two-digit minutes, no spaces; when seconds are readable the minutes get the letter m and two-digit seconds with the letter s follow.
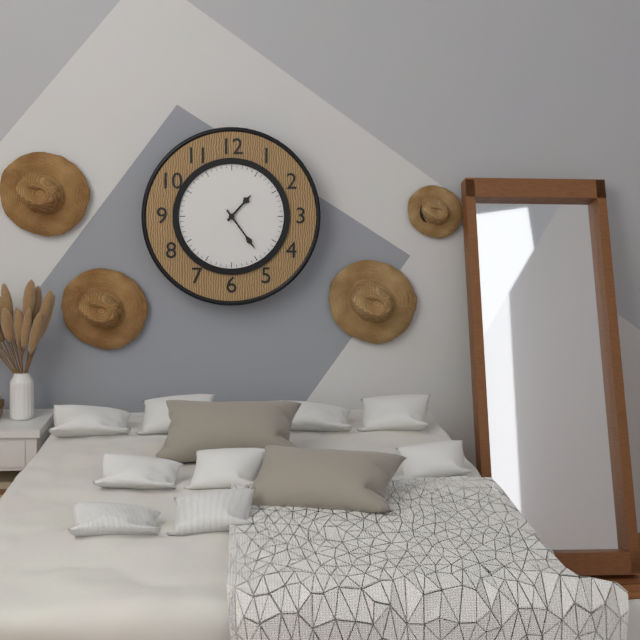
1h24
